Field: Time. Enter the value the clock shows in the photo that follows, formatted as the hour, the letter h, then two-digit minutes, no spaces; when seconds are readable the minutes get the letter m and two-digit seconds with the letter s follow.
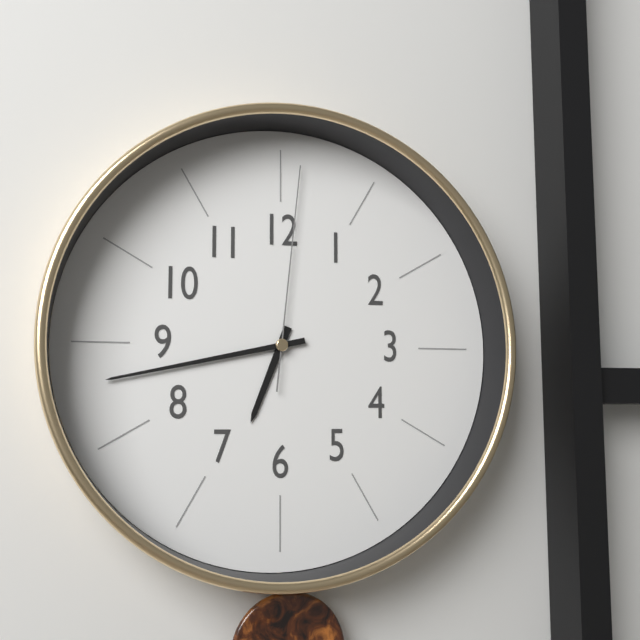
6h43m01s
